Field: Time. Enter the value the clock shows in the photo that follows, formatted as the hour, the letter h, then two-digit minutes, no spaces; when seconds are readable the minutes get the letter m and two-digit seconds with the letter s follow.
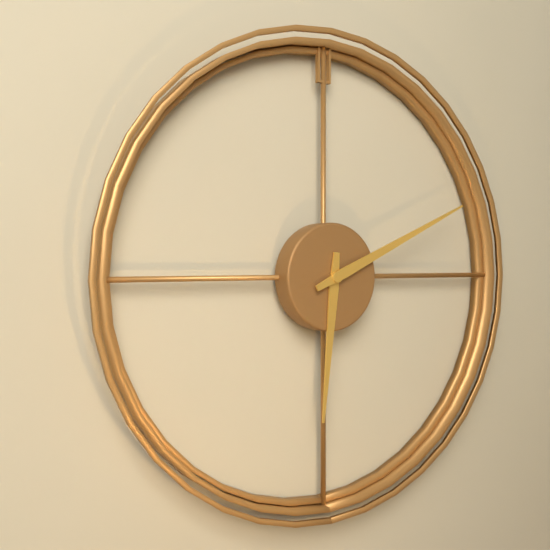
6h11
